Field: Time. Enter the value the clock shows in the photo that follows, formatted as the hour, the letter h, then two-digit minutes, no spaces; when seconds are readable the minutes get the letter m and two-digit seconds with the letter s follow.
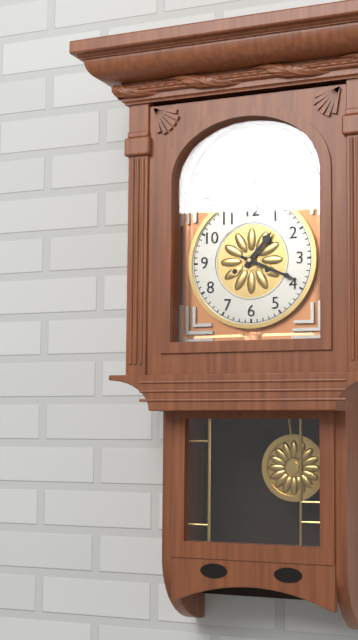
1h19
